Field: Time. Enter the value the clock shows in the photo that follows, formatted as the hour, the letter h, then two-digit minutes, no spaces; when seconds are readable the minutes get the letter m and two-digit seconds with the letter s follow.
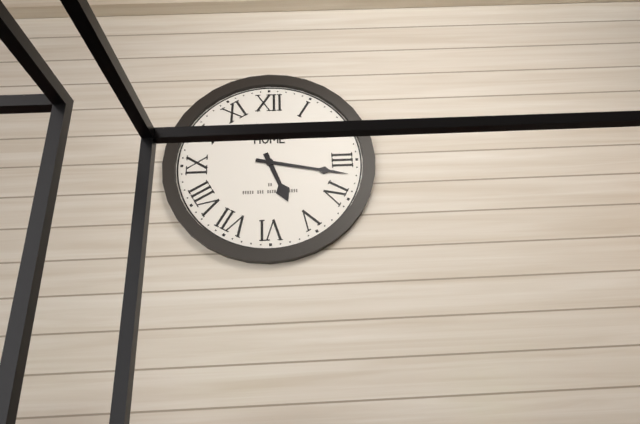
5h17
